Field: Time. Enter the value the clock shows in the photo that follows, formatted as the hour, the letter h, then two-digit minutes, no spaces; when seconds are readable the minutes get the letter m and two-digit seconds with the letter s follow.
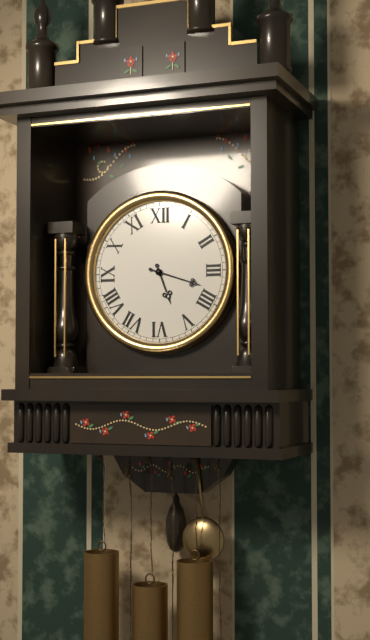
5h18
